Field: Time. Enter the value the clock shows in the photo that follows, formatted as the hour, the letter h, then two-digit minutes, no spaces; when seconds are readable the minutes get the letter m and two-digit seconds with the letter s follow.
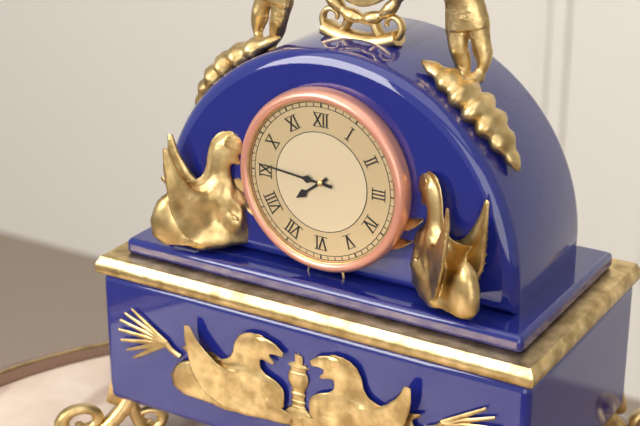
7h46
